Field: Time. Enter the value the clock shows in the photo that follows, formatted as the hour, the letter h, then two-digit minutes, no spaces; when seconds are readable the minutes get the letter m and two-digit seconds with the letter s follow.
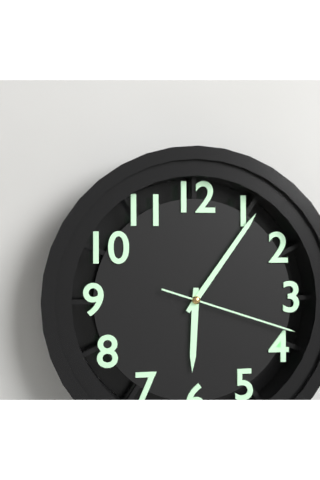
6h06m18s
